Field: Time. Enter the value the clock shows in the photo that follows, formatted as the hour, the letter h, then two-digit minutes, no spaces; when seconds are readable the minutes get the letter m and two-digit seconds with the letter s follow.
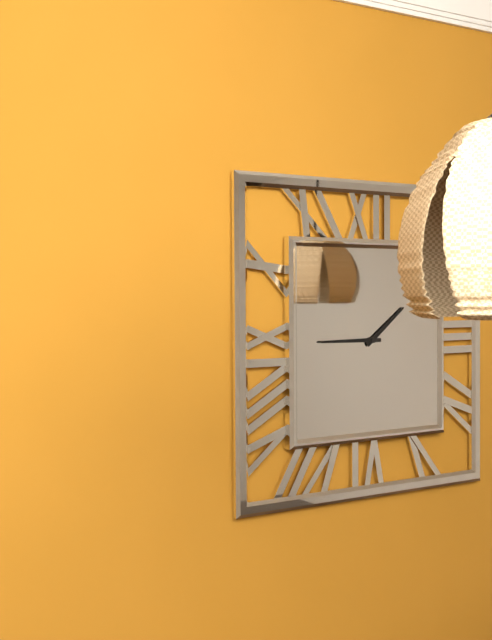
1h45
